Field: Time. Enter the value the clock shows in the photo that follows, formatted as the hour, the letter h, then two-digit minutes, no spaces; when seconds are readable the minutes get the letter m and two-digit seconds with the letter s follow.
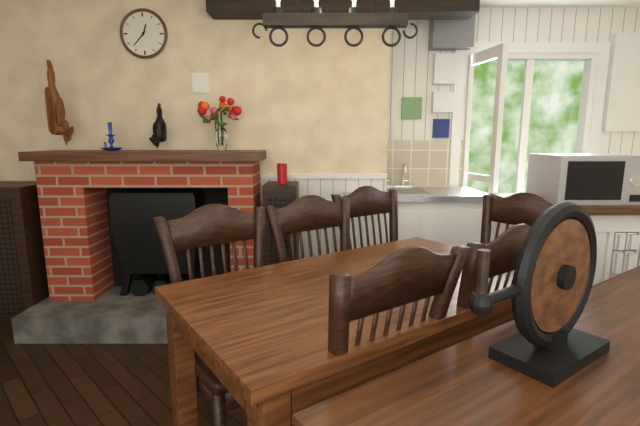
12h37
